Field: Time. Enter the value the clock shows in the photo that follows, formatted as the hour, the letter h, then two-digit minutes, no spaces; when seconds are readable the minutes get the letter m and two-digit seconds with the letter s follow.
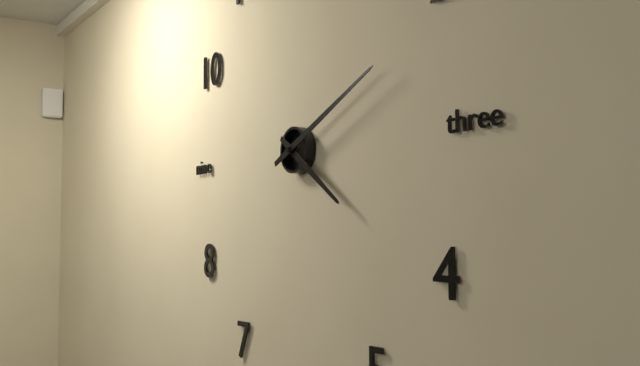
4h11
